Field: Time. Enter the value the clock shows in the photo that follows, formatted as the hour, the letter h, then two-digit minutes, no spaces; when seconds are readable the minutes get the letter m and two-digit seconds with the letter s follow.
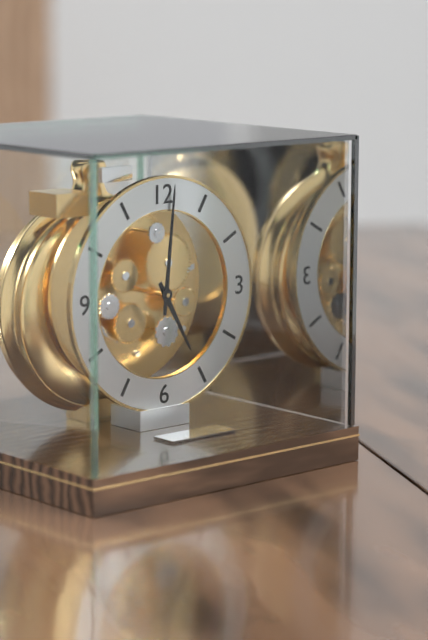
5h01
